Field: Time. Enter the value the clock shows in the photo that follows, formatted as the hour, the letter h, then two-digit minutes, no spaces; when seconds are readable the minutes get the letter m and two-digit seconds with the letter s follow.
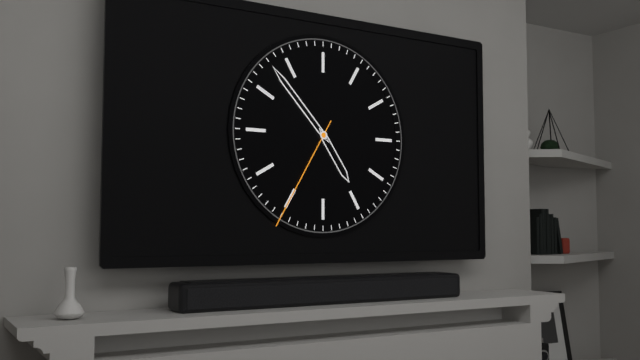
4h53m35s
